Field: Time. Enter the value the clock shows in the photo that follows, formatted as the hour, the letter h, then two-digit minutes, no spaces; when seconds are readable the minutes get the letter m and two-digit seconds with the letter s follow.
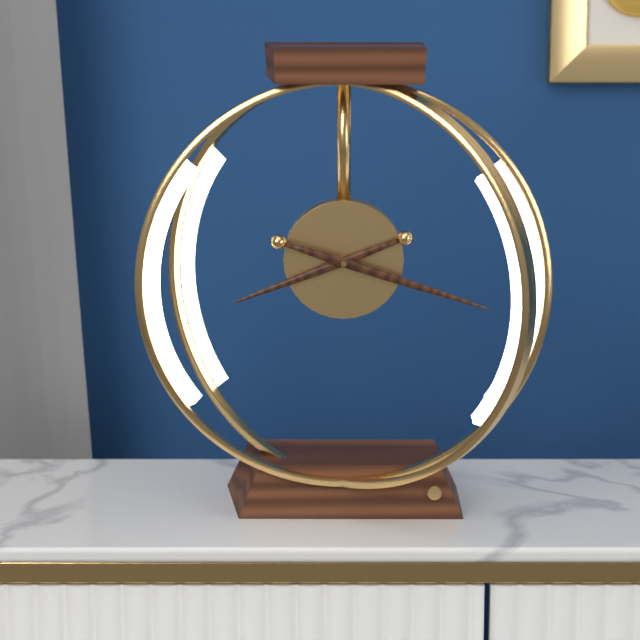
8h18
